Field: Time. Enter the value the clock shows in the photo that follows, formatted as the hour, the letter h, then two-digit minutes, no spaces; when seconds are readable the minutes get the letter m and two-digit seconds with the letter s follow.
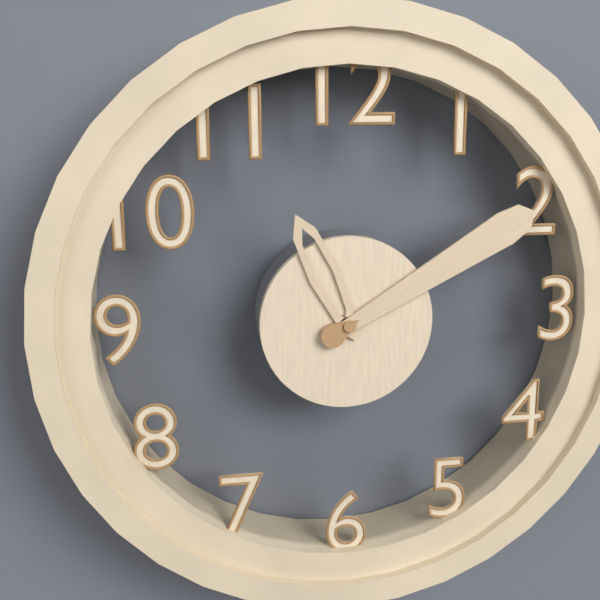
11h10
